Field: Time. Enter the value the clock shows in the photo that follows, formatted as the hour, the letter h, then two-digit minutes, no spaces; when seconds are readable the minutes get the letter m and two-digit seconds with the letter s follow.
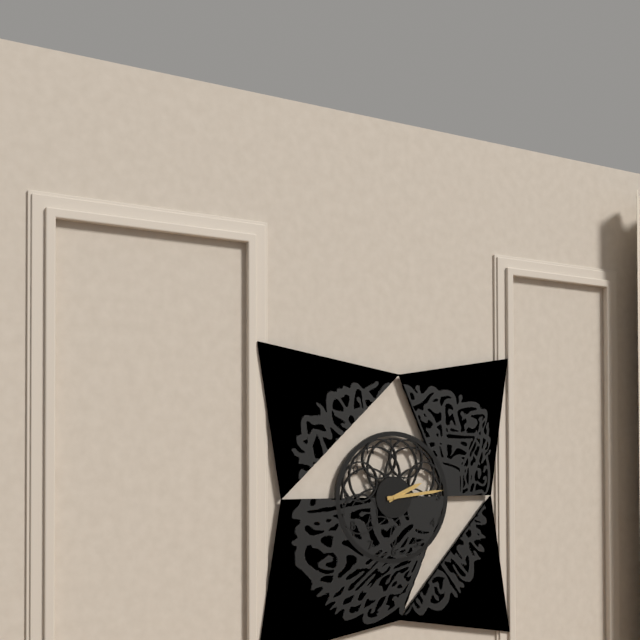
2h14
